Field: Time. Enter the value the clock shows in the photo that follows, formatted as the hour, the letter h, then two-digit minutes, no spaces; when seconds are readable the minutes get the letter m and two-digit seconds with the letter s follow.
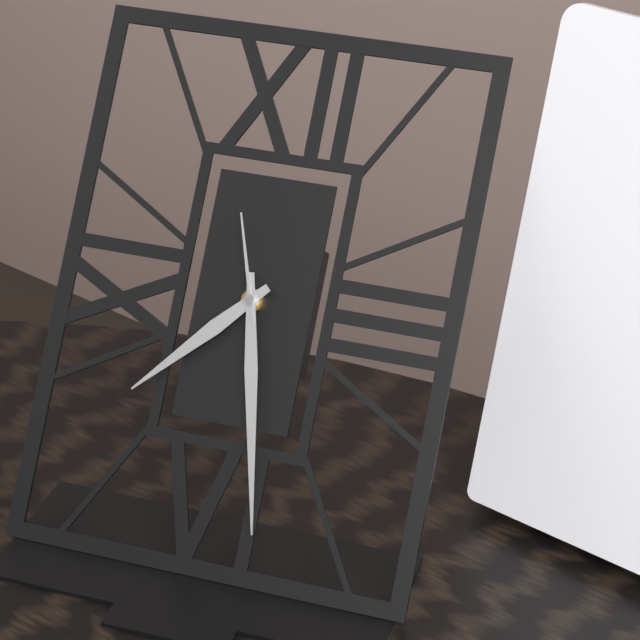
7h28m57s
